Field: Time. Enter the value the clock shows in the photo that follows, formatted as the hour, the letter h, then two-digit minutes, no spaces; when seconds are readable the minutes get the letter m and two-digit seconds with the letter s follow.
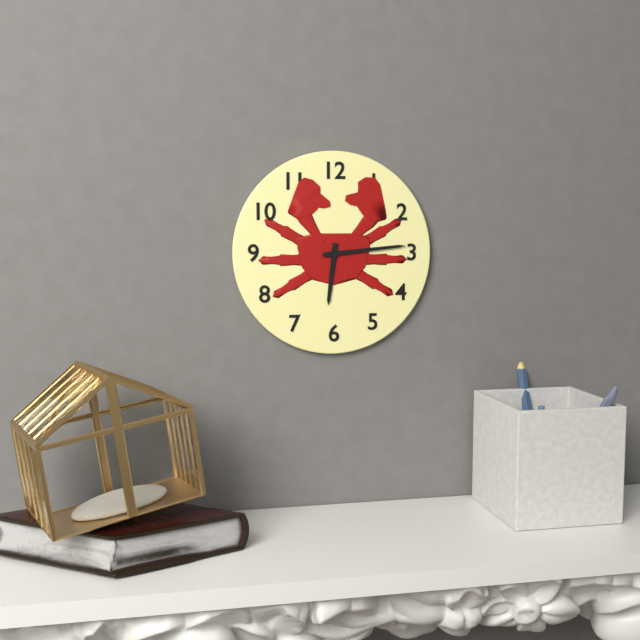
6h14
